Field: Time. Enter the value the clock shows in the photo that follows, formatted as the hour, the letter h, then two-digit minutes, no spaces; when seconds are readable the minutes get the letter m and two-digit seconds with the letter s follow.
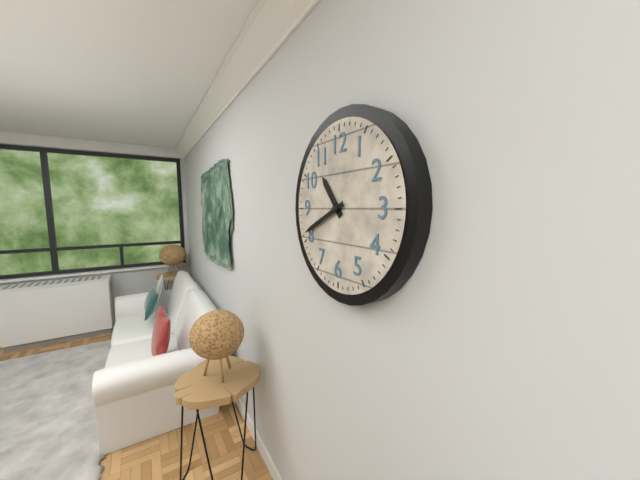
10h41
